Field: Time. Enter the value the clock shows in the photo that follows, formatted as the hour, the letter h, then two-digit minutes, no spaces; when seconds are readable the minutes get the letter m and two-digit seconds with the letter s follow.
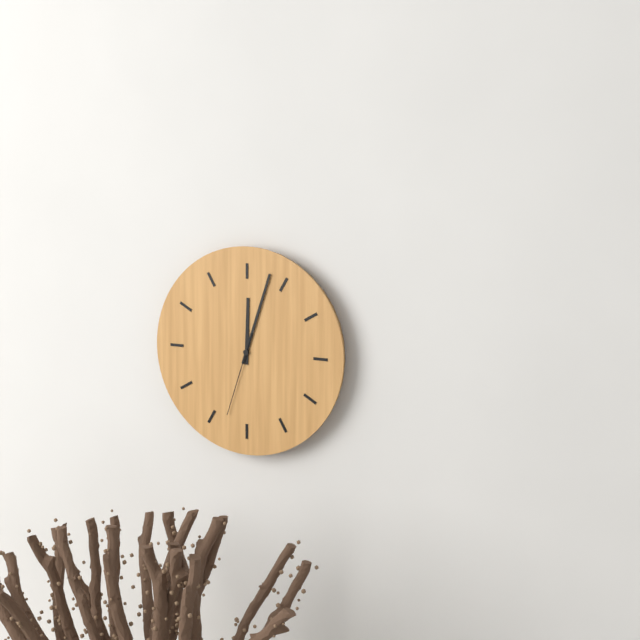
12h03m33s
